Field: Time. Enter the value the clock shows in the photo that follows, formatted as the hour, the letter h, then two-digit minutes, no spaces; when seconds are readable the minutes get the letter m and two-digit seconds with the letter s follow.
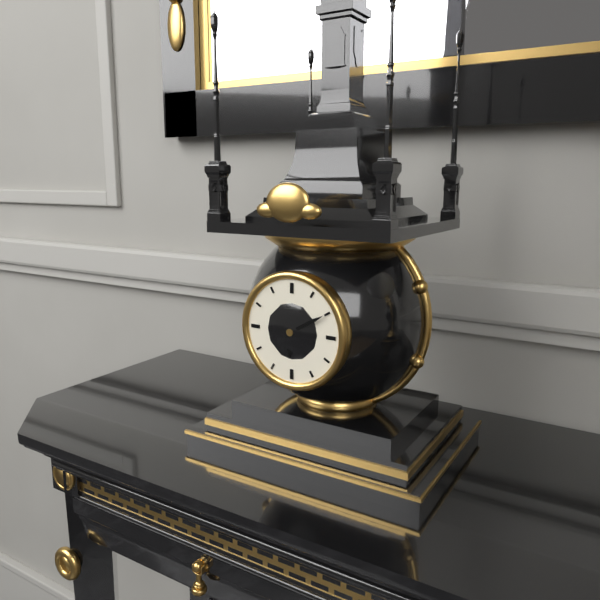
6h10
